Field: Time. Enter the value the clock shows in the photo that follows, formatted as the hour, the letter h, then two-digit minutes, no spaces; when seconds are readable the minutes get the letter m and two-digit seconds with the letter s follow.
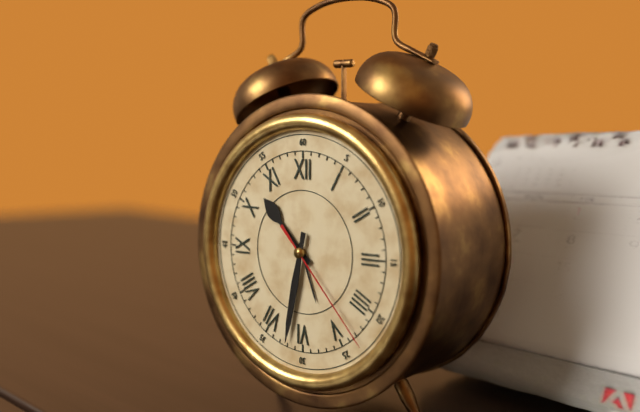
10h32m23s
